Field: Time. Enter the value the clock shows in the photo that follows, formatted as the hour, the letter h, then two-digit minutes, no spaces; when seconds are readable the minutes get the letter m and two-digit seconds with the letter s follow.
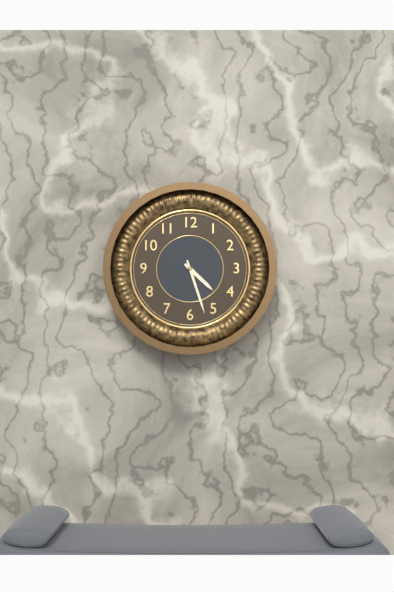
4h27
